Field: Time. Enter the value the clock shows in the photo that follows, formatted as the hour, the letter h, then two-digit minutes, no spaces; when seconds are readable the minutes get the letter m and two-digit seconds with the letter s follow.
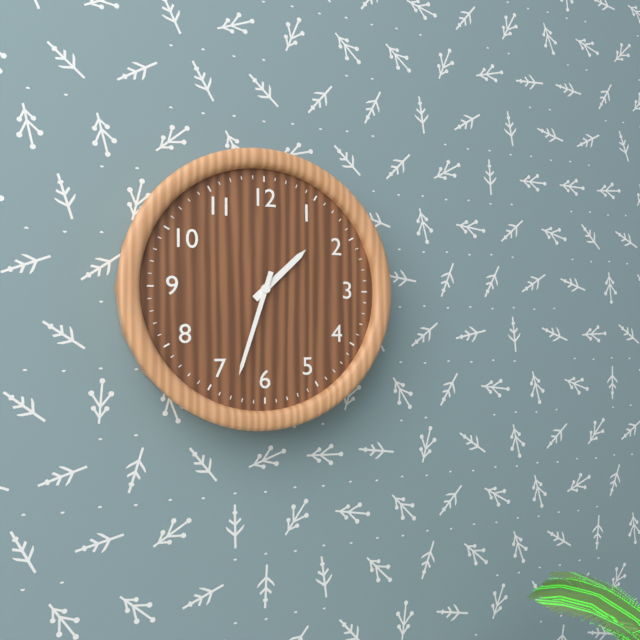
1h33
